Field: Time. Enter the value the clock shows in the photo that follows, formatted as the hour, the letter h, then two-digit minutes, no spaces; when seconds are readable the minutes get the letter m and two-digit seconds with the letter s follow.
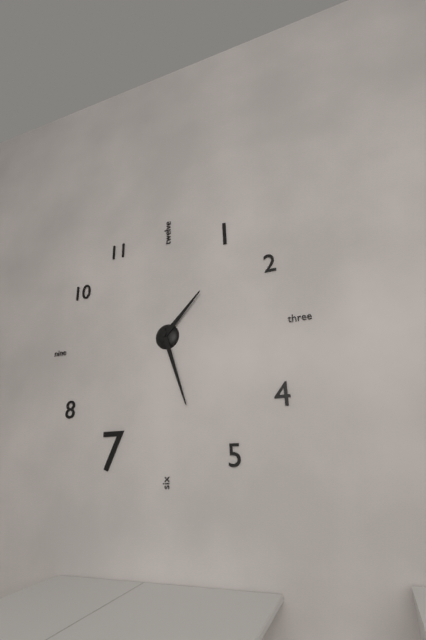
1h27
